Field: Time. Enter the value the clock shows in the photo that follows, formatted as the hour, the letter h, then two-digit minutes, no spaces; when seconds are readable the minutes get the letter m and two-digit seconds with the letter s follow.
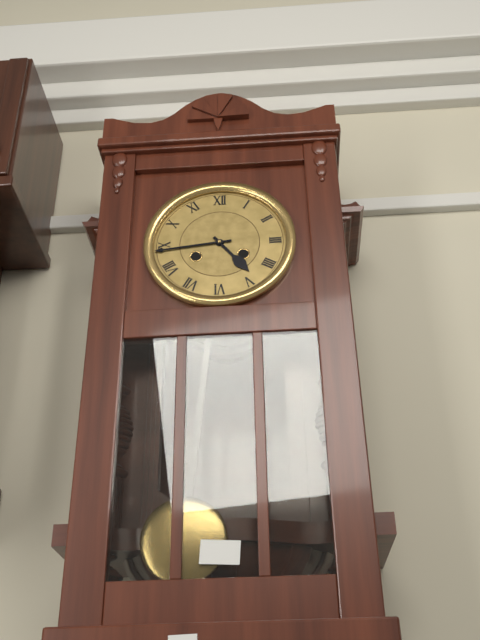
4h44
